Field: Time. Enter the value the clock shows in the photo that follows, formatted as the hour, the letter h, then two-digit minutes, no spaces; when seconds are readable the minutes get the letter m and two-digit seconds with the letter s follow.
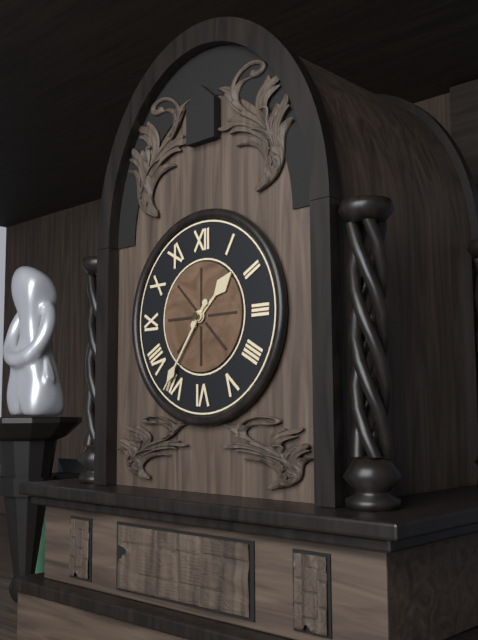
1h36
